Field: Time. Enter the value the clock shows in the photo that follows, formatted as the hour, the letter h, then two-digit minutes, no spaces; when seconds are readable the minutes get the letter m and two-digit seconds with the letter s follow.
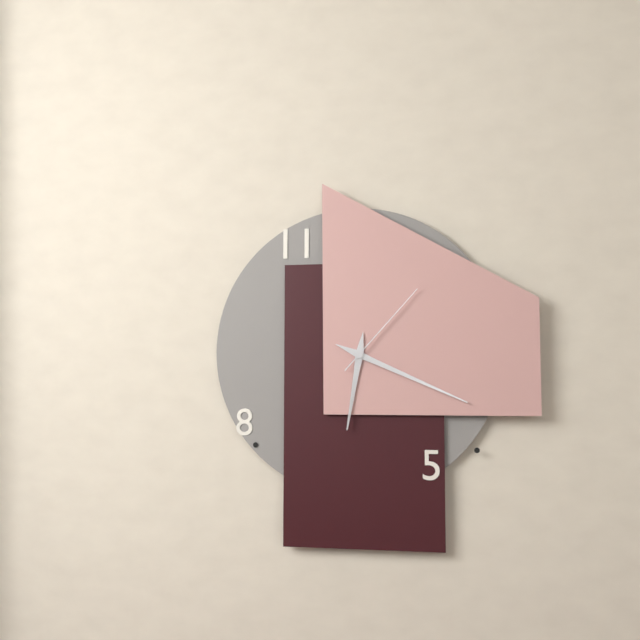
6h19m07s
